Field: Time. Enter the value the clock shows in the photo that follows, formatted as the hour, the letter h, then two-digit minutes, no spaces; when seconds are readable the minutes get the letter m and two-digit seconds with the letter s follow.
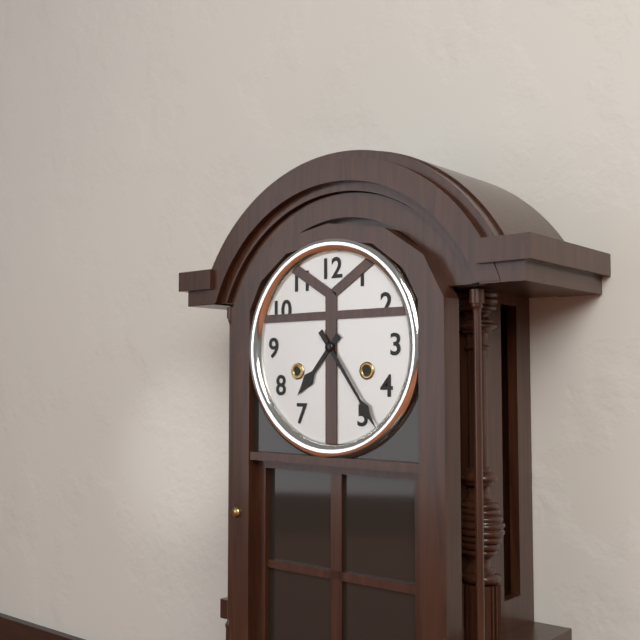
7h24
